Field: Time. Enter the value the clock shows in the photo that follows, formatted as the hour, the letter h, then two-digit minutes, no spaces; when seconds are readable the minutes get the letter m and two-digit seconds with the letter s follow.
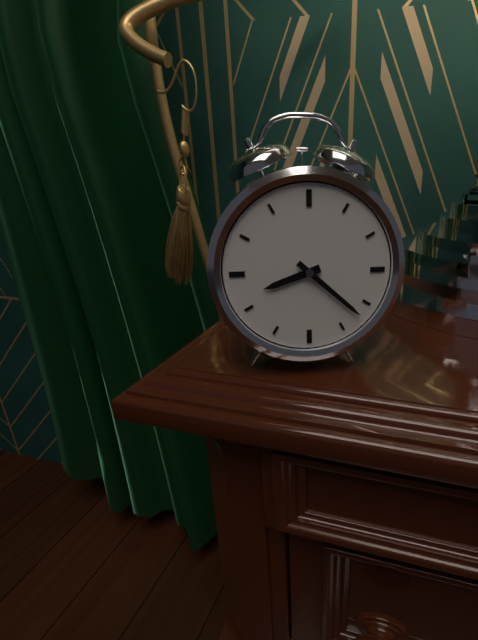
8h22
